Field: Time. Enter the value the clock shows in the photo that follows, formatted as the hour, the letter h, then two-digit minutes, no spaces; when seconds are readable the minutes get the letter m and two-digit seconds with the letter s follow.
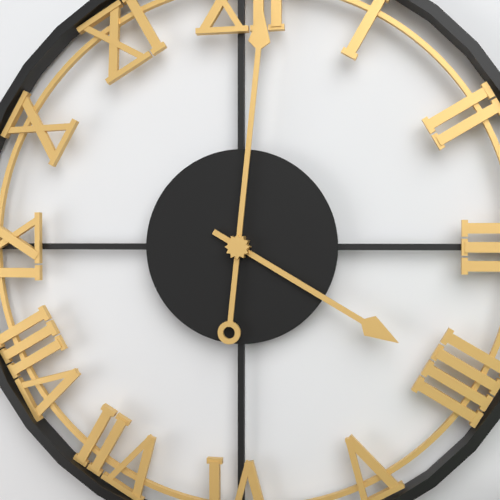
4h01
